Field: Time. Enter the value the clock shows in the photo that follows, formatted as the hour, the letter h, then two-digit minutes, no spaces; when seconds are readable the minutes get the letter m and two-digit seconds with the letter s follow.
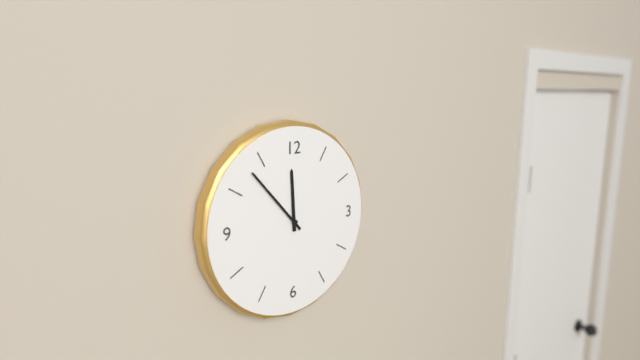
11h53
